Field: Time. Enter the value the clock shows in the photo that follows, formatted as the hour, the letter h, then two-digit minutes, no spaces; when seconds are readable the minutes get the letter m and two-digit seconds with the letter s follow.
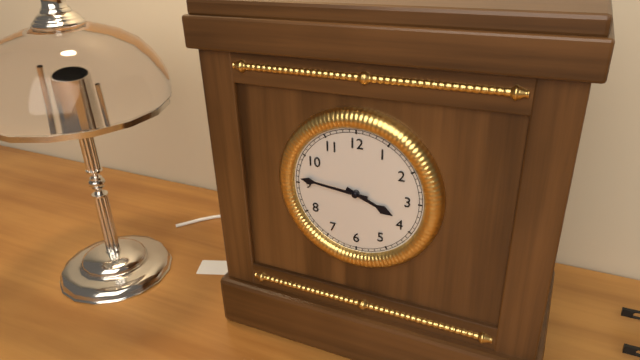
3h46
